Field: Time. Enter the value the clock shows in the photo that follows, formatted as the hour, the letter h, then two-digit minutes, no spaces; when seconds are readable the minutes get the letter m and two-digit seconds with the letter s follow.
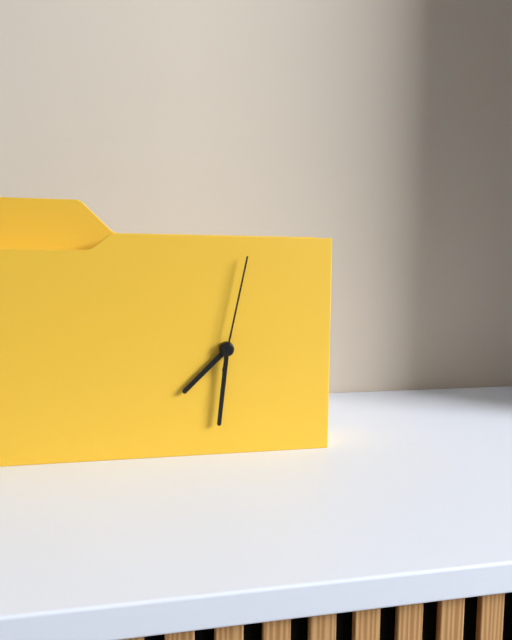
7h31m02s
